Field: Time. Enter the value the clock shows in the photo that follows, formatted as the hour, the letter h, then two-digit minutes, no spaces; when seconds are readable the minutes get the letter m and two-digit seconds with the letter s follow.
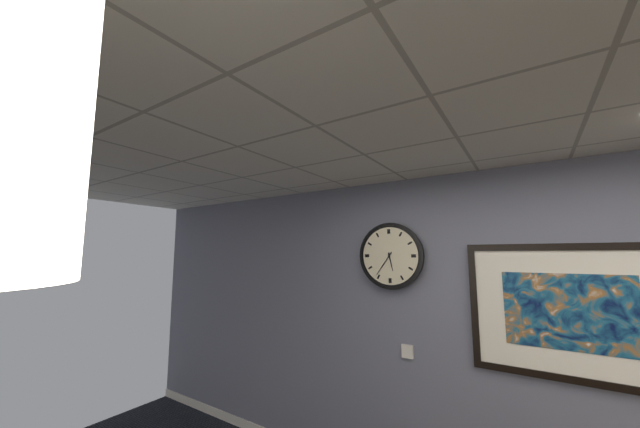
5h36
